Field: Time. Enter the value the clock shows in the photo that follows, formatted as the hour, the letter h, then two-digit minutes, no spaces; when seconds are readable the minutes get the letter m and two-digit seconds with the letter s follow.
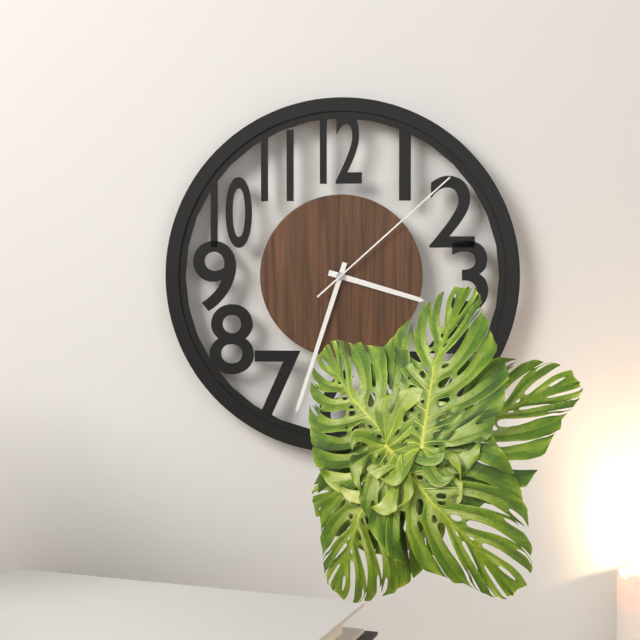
3h33m08s
